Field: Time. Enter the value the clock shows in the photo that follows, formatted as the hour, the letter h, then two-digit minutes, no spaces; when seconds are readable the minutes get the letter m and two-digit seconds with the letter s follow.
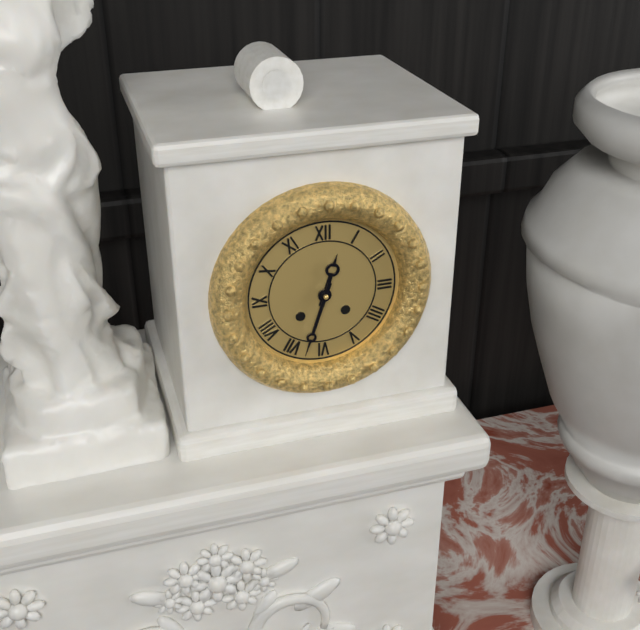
12h33
